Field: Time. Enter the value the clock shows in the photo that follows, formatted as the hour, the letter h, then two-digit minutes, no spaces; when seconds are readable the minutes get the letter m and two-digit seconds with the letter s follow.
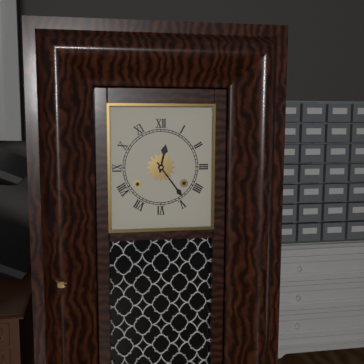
12h24
